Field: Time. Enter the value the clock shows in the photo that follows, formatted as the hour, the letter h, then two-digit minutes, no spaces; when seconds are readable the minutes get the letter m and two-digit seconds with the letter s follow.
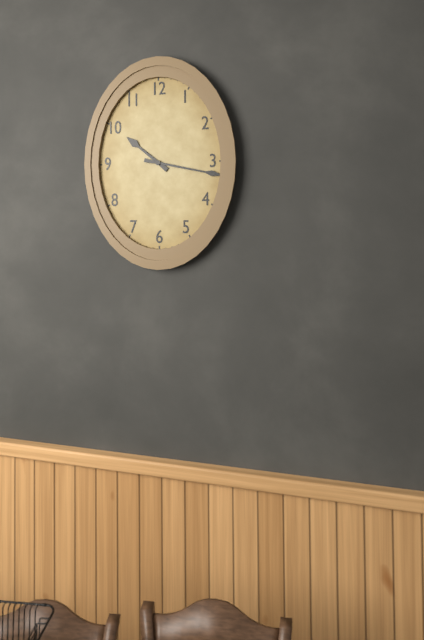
10h17
